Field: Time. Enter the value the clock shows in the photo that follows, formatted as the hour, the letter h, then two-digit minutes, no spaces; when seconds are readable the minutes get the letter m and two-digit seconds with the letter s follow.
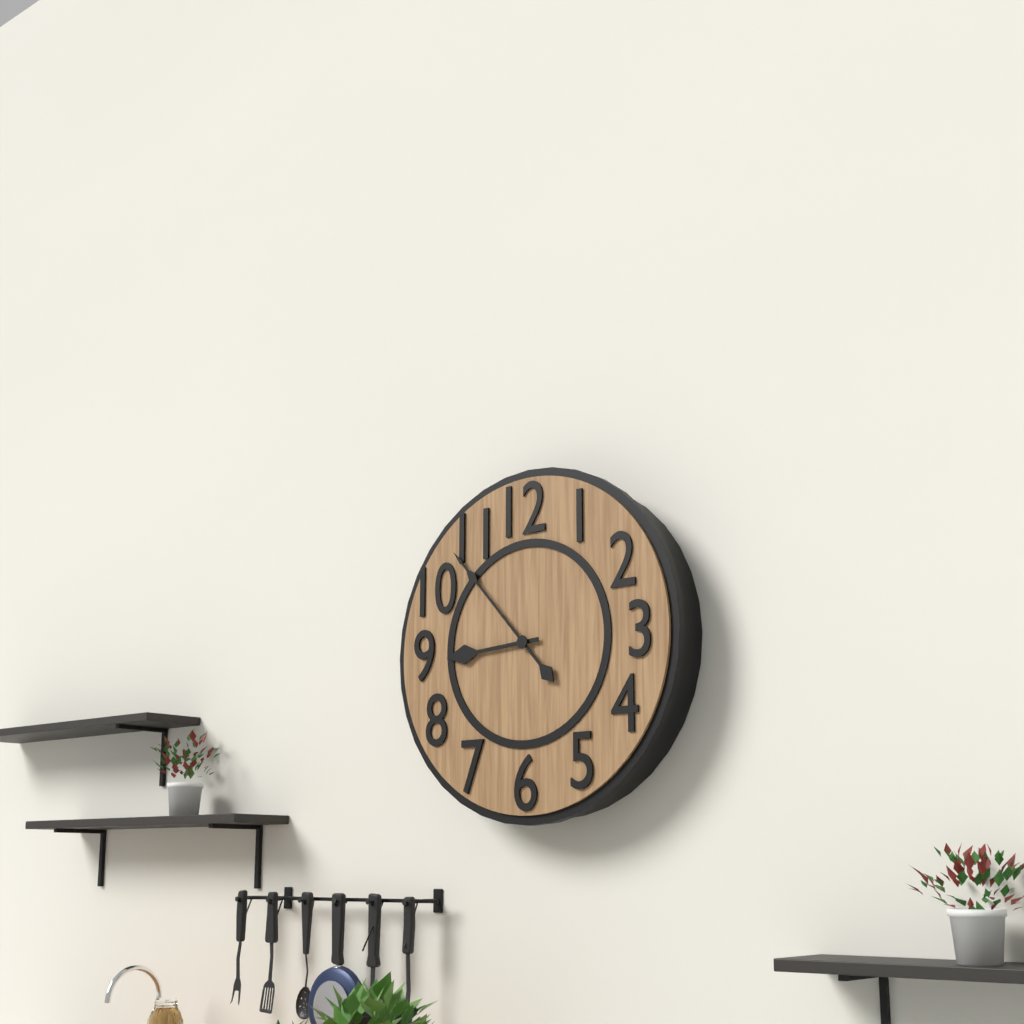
8h53
